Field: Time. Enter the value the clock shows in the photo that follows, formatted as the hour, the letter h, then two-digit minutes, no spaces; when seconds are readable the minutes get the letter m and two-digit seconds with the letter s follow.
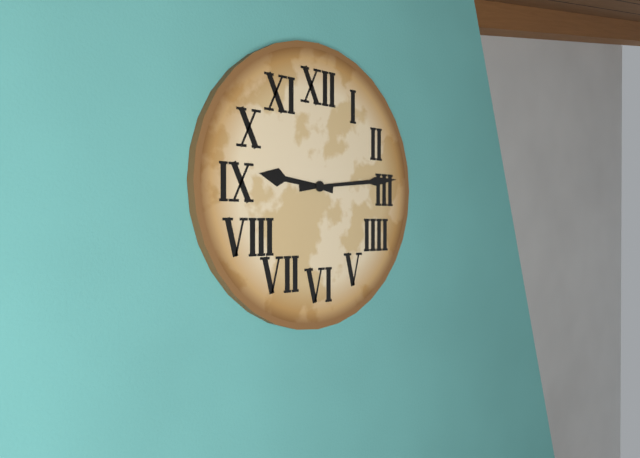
9h14
